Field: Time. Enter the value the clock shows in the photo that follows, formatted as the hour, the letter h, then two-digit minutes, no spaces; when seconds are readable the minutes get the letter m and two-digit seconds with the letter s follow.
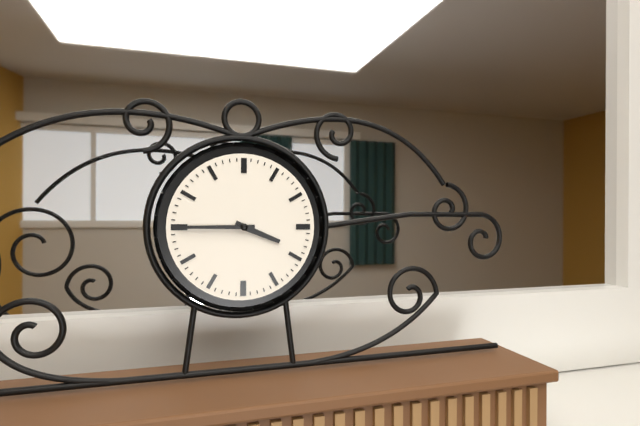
3h45
